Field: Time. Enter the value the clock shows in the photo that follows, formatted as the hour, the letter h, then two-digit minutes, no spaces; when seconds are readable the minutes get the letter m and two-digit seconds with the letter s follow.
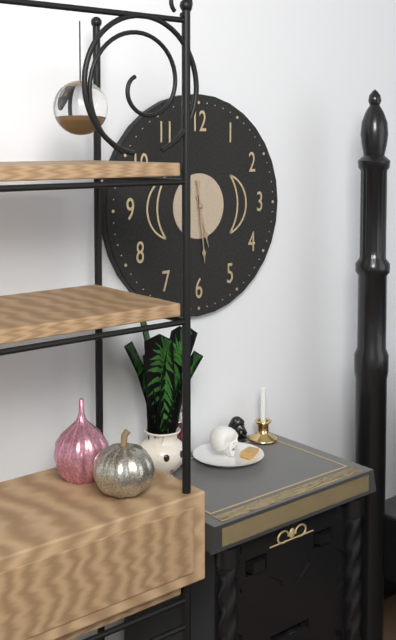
5h29
